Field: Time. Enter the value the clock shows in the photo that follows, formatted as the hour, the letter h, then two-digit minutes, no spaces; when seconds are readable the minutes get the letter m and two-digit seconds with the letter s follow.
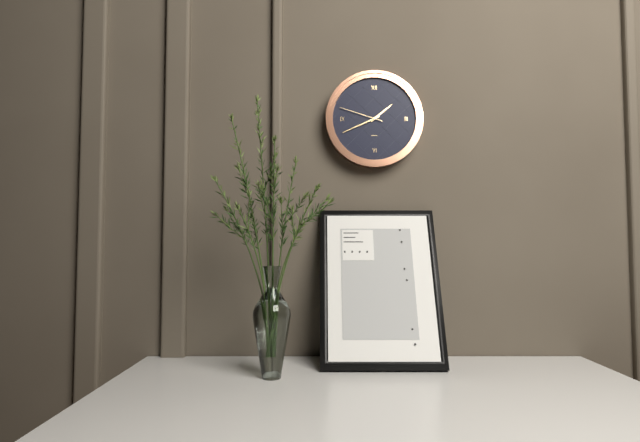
1h41
